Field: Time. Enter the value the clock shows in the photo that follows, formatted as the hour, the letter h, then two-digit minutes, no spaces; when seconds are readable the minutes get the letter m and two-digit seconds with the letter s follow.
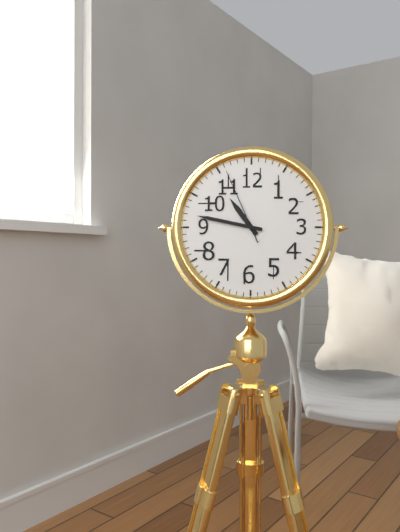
10h47m56s
